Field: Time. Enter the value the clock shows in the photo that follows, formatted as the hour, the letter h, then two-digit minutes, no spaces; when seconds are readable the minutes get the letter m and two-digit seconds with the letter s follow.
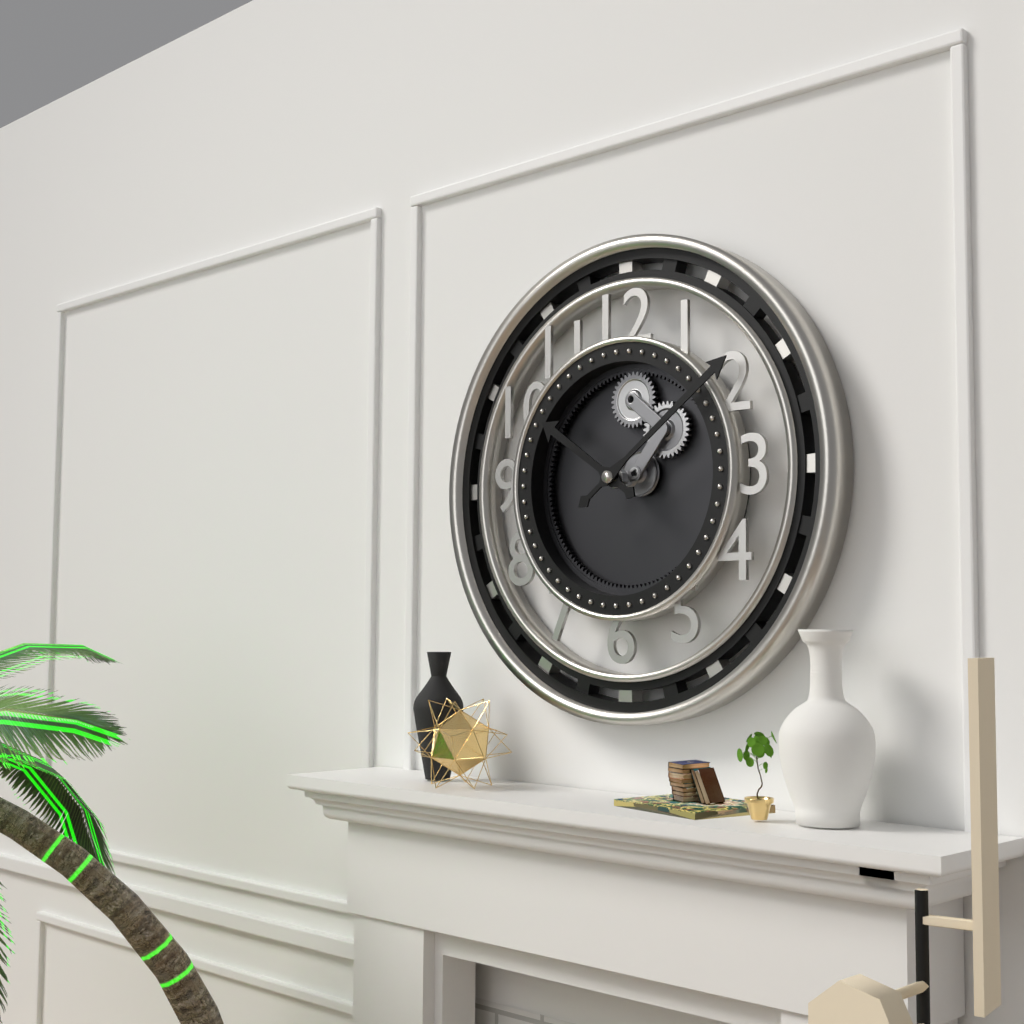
10h09
